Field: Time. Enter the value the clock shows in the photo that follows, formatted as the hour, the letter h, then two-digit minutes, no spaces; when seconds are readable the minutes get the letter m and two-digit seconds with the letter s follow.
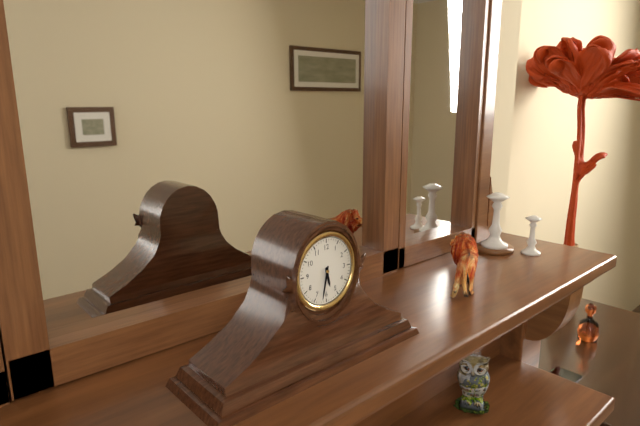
5h32
